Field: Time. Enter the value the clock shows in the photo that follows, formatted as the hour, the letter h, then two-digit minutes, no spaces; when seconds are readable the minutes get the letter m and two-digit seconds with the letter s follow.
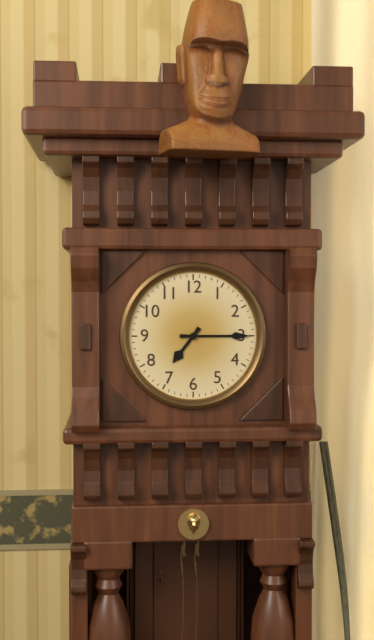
7h15
